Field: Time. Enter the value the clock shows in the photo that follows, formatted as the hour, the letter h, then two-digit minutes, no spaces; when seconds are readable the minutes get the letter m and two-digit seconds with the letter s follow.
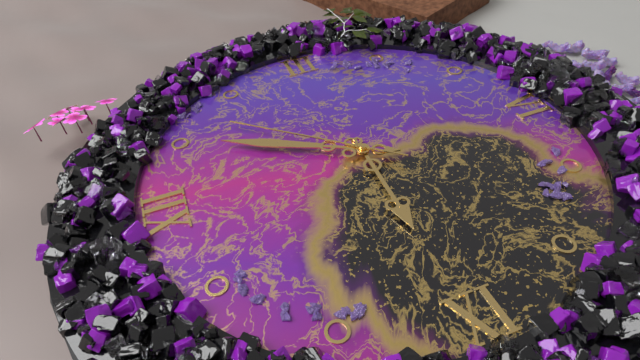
9h05m07s
